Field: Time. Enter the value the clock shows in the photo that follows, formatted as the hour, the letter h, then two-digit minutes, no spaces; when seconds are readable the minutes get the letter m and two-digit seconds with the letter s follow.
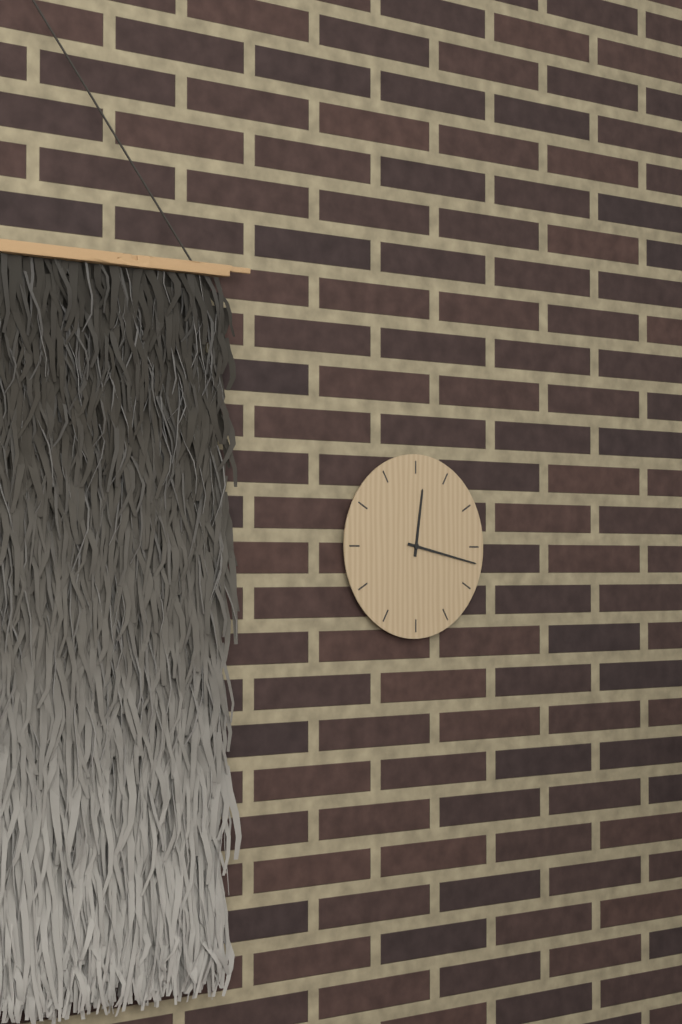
12h17
